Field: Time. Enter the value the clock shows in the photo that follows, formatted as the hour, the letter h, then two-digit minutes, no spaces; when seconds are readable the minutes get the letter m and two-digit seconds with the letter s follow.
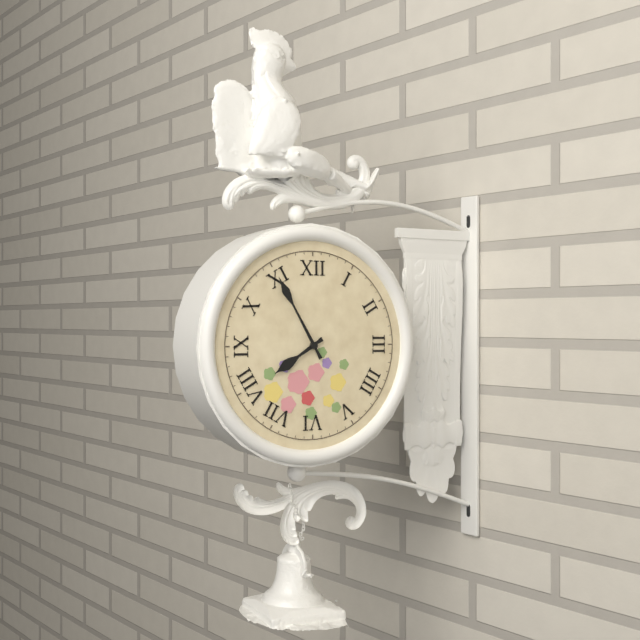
7h55
